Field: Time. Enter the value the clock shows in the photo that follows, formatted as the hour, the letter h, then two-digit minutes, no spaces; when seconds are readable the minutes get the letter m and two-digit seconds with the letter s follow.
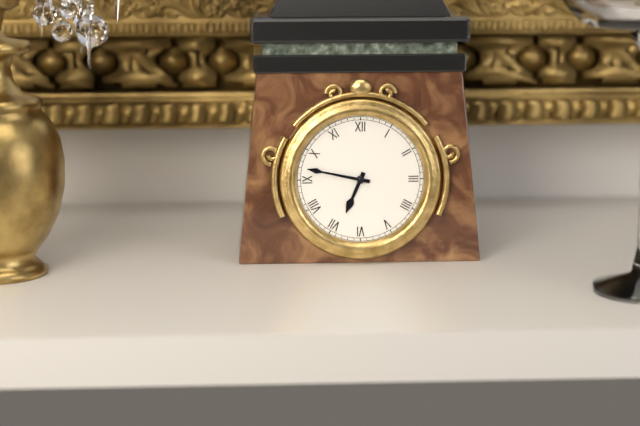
6h47
